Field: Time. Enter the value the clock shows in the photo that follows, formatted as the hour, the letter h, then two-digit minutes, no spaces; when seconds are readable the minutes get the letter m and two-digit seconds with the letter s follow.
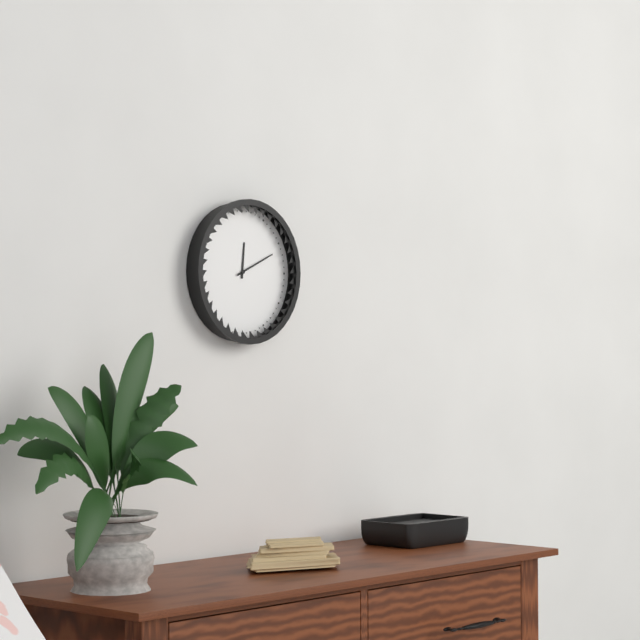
12h11
